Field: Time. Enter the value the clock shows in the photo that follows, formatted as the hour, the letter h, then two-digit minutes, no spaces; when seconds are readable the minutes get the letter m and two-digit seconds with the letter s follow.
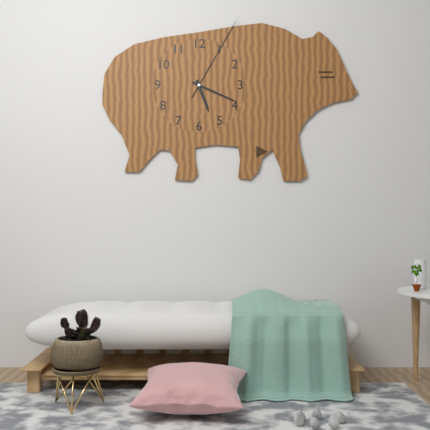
5h19m05s
